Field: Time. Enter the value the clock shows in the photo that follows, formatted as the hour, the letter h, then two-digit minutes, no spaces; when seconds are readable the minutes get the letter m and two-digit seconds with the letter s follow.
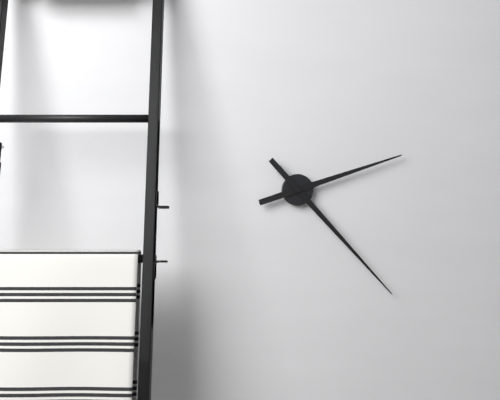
2h23
